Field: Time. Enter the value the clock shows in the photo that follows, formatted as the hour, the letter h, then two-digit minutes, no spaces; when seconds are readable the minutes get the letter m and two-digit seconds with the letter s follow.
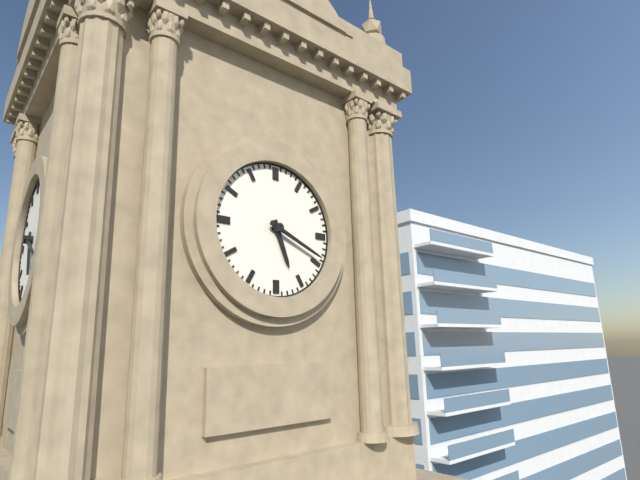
5h19
